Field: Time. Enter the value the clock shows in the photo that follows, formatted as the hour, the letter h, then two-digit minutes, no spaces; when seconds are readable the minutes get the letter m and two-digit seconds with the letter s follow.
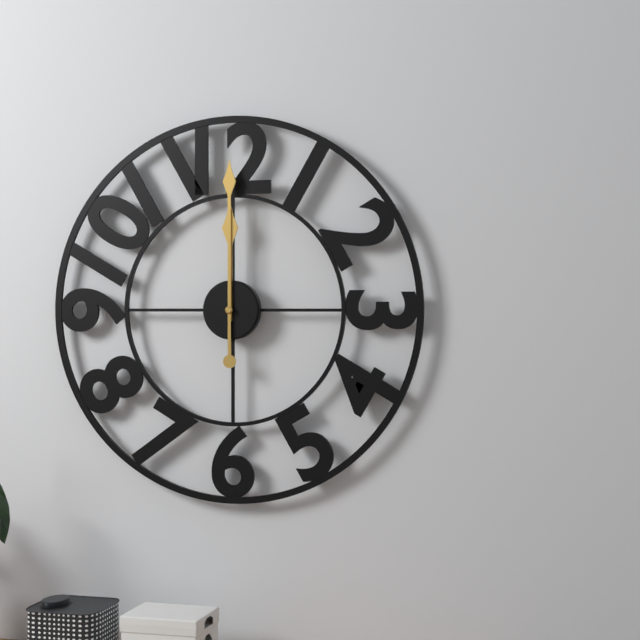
12h00
